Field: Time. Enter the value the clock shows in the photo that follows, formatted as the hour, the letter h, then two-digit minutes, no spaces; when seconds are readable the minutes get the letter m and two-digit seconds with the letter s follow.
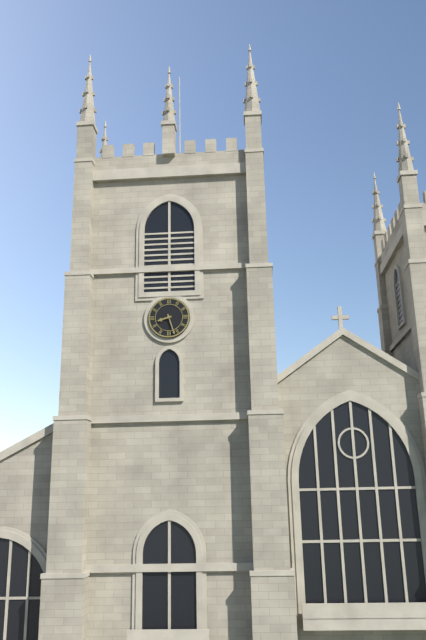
8h27
